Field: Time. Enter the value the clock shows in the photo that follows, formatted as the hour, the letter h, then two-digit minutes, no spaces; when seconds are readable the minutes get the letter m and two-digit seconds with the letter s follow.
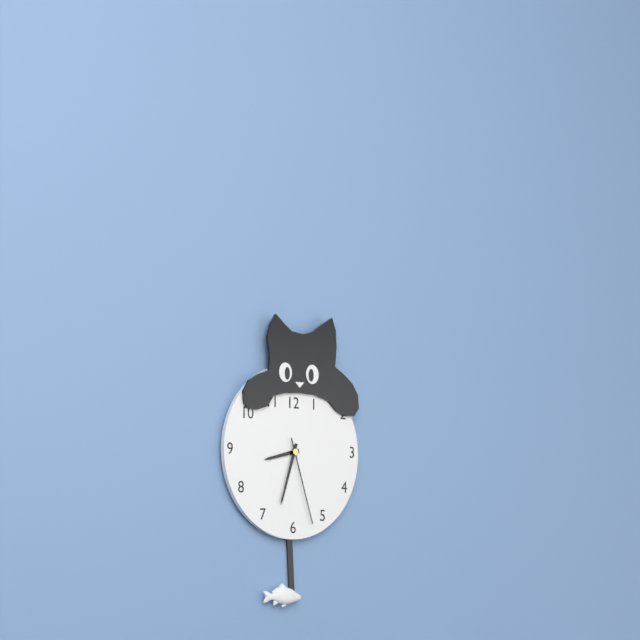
8h33m27s
